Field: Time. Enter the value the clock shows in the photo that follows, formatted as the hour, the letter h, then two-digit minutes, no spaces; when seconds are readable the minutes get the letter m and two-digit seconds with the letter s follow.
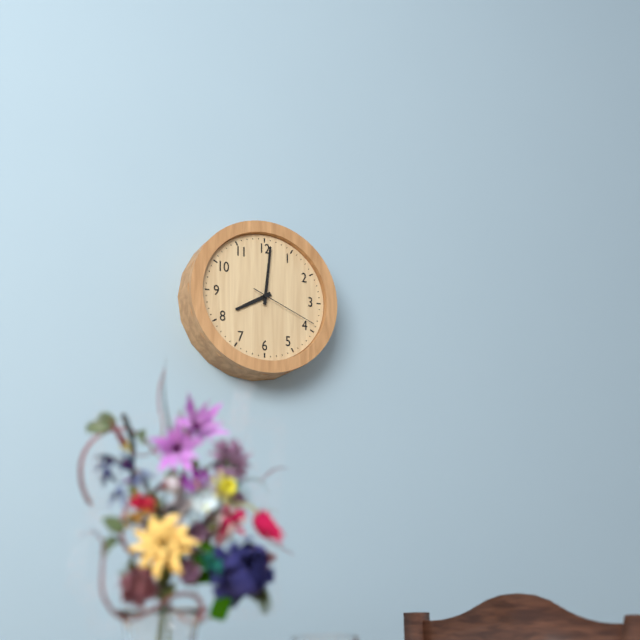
8h01m19s
